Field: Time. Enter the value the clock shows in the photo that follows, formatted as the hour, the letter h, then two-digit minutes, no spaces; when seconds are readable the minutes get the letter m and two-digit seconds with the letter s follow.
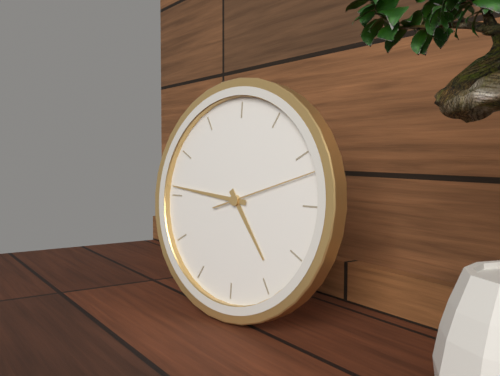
4h46m12s
